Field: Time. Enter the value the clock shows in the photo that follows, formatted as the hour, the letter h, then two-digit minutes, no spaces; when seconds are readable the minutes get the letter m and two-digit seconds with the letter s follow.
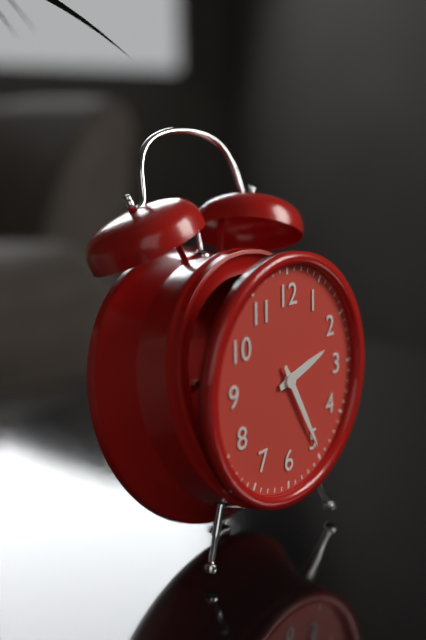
2h25
